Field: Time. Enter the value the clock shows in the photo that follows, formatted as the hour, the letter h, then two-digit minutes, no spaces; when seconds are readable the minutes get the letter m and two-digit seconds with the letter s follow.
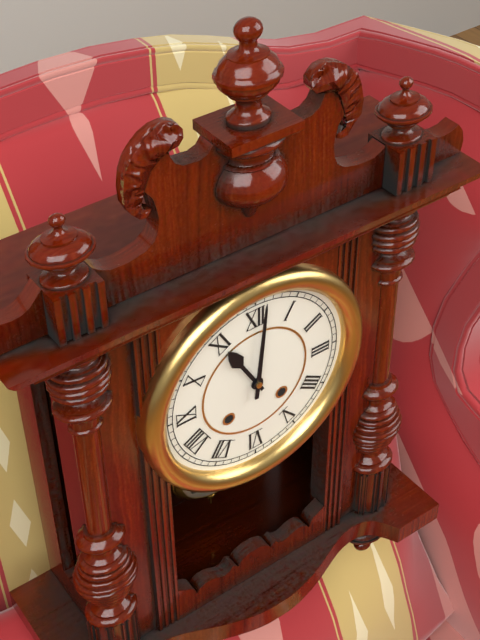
11h01
